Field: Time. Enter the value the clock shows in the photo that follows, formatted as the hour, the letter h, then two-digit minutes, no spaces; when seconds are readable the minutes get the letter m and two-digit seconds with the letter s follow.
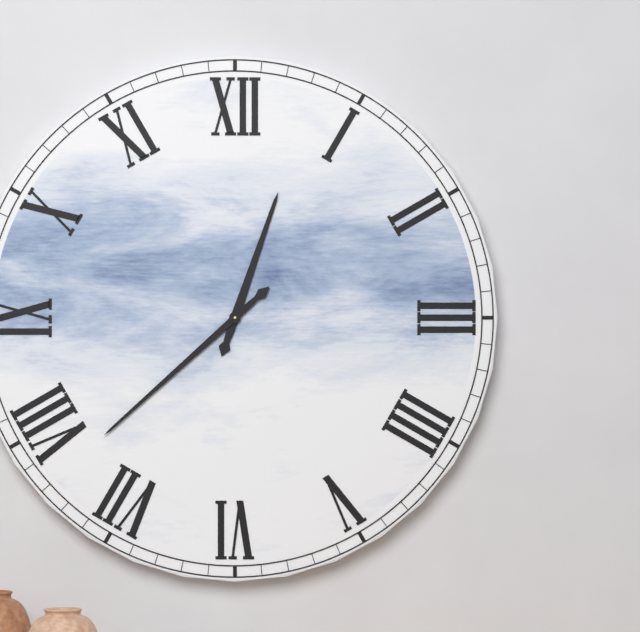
12h38
